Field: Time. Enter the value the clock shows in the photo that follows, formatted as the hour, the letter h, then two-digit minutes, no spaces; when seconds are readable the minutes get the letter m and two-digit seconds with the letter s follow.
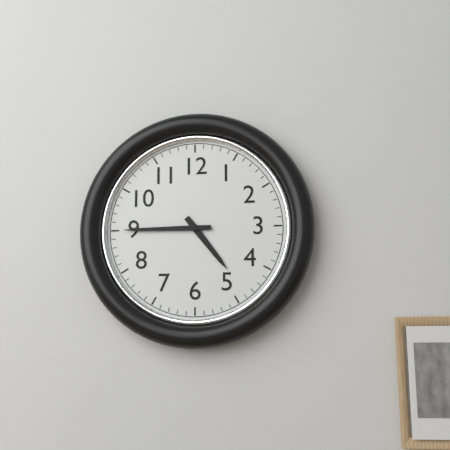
4h45
